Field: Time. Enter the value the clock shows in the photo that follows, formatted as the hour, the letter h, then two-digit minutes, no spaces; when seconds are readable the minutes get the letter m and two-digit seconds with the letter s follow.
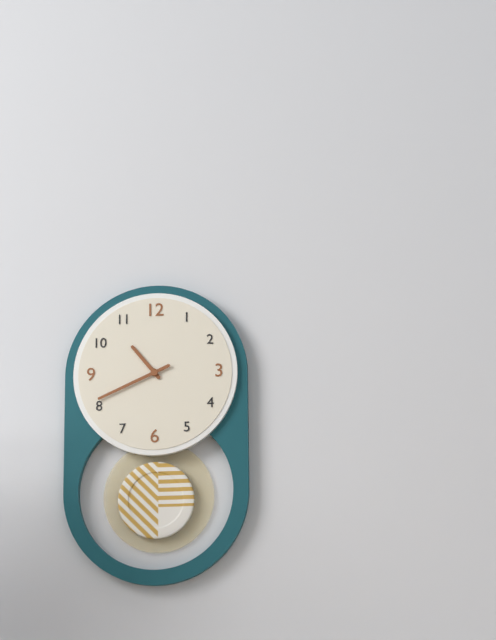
10h41
